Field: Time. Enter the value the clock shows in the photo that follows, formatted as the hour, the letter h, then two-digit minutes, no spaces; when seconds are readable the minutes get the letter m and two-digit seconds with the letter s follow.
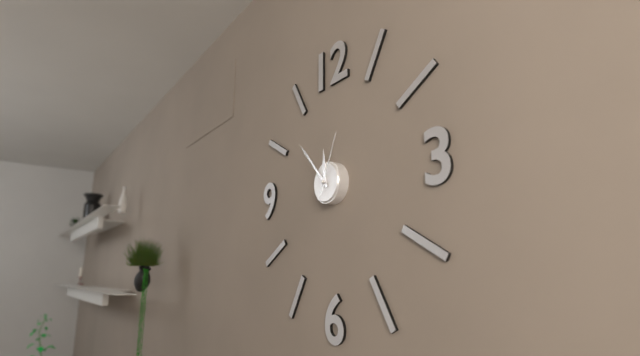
11h53m04s
